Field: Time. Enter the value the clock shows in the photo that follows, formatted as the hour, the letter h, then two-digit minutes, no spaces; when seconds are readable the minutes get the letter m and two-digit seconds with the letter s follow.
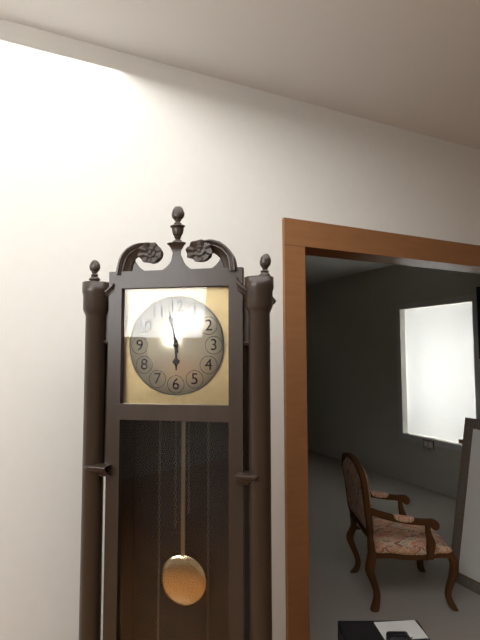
5h58
